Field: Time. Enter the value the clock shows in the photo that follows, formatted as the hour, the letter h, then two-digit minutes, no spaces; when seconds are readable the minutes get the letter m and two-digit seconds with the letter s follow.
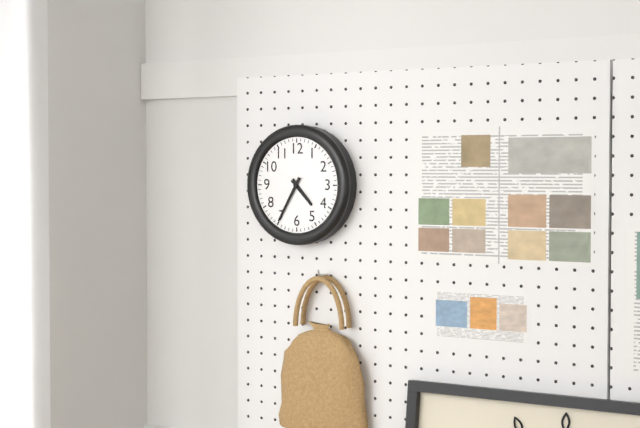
4h35
